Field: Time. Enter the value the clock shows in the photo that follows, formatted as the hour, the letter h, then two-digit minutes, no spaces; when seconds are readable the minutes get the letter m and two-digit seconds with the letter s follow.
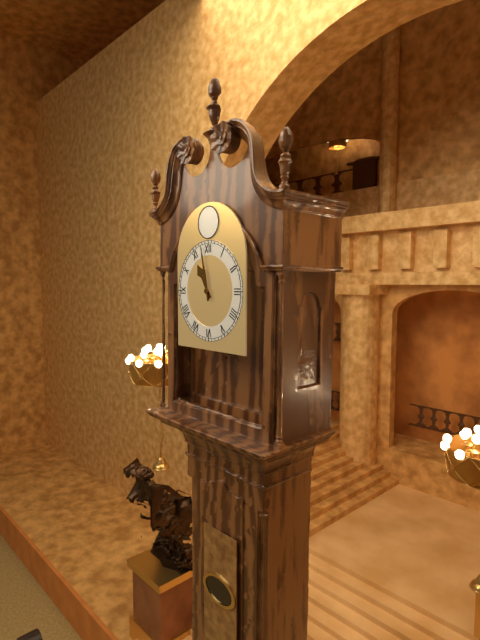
10h58
